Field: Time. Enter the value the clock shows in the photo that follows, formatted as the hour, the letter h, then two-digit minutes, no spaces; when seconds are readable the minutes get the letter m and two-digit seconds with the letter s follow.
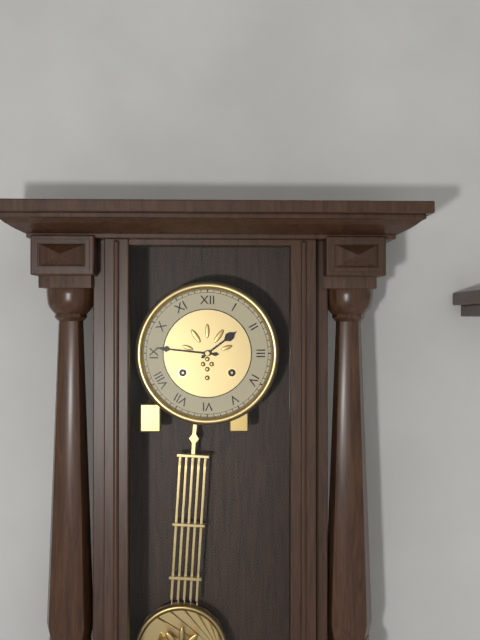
1h46
